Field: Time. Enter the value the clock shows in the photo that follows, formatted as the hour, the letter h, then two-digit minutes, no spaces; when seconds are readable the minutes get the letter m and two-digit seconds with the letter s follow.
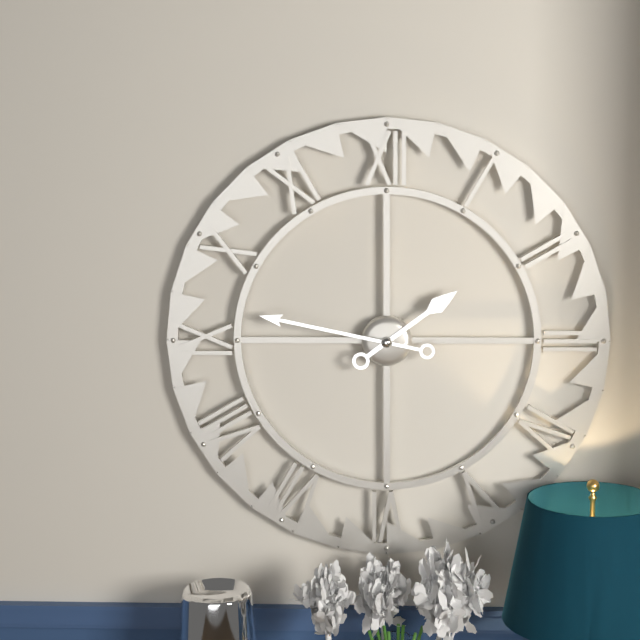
1h47
